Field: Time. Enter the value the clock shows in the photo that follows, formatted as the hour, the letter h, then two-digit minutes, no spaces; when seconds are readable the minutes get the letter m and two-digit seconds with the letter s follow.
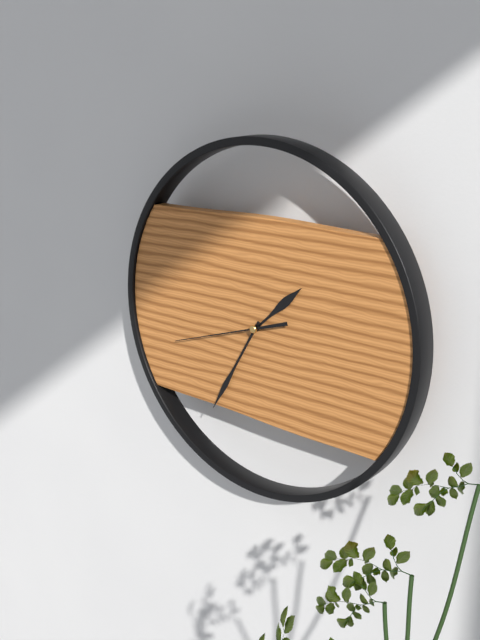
1h35m42s
